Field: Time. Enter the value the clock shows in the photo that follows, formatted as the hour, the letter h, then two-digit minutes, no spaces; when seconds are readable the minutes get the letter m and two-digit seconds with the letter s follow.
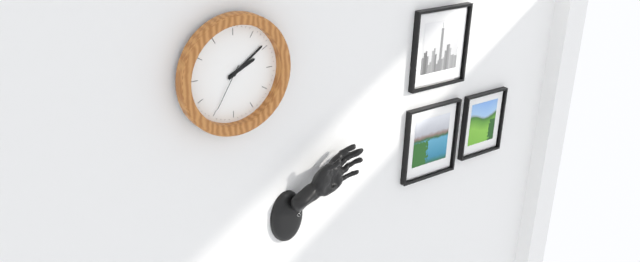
2h09
